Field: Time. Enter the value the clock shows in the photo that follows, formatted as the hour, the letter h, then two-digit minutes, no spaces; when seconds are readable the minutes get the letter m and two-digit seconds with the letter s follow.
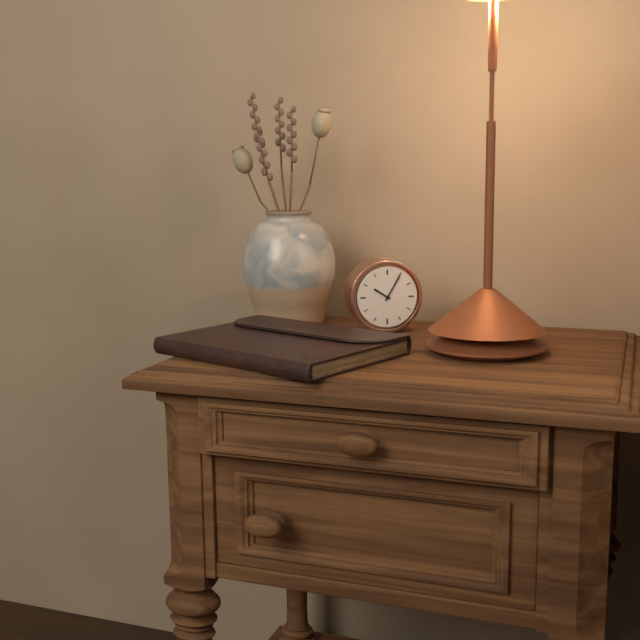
10h05
